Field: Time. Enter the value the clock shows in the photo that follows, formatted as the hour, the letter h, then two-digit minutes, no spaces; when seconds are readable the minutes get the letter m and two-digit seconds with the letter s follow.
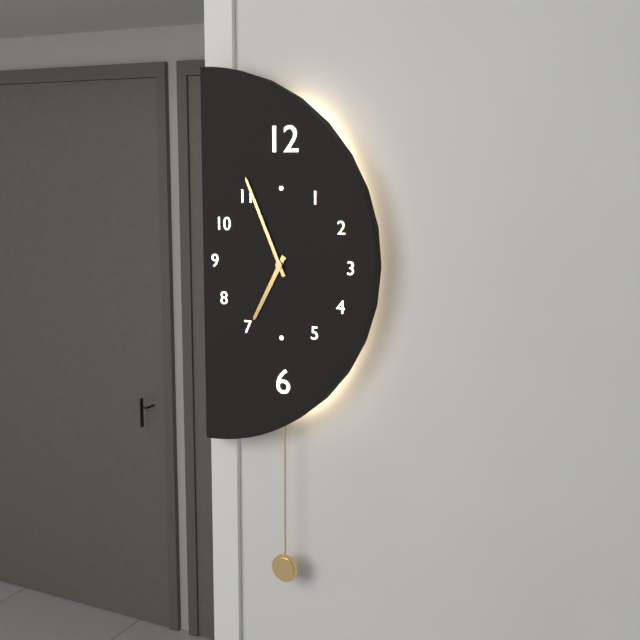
6h56
